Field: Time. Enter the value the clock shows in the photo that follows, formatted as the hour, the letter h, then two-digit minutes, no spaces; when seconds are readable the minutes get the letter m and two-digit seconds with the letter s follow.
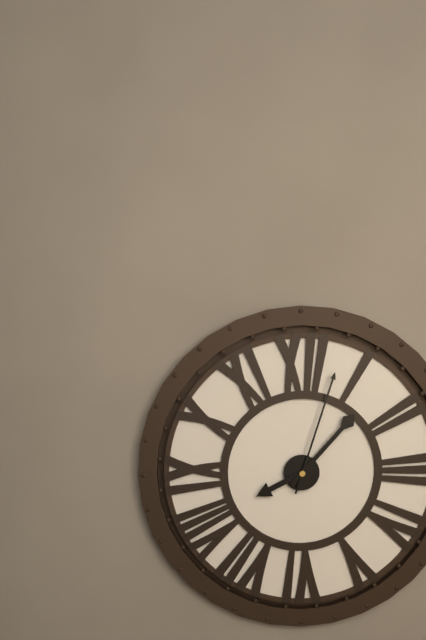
8h07m03s
